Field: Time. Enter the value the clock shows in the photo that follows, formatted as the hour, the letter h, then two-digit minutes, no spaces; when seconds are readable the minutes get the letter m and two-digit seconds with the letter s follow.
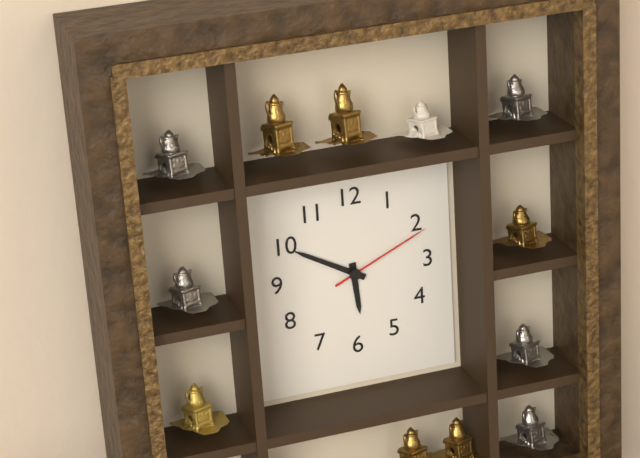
5h50m11s
